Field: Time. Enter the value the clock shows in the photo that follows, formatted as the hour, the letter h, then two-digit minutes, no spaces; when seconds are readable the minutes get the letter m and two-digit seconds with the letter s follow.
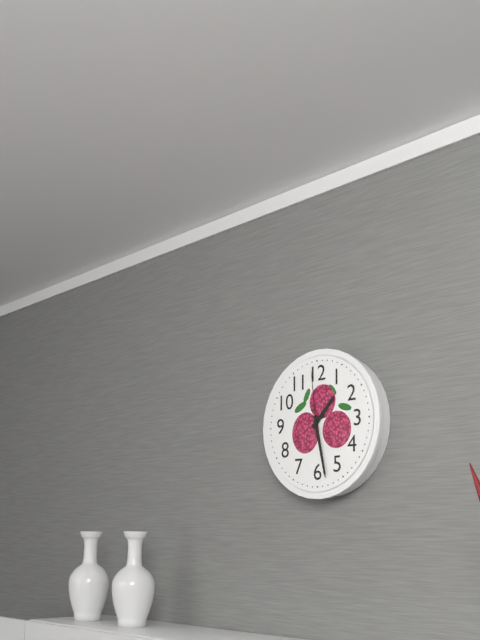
1h28m59s
